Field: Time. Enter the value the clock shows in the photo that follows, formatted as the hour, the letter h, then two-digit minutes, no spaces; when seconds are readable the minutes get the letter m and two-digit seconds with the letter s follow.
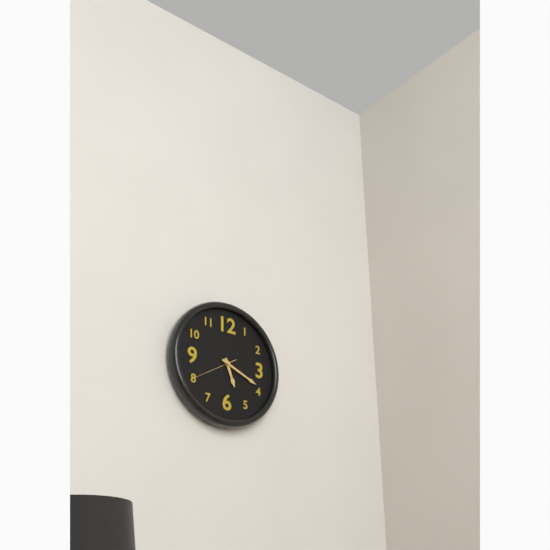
5h19
